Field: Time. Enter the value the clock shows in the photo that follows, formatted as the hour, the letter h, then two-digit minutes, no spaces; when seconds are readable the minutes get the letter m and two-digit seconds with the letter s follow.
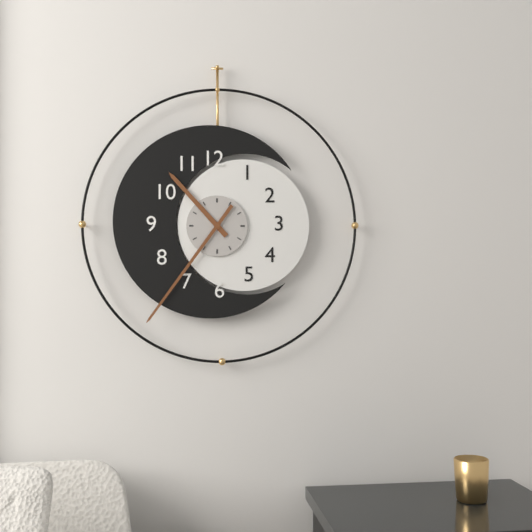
10h36
